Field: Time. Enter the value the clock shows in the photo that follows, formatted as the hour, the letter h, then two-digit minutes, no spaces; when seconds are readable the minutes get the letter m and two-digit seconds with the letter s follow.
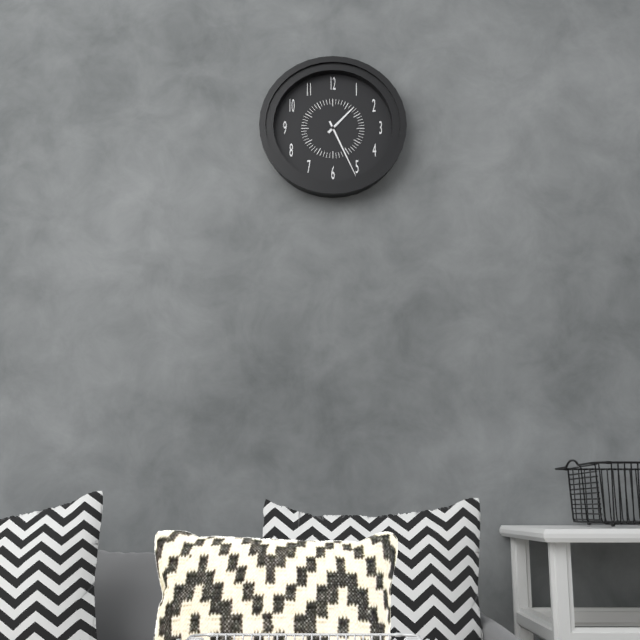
1h26
